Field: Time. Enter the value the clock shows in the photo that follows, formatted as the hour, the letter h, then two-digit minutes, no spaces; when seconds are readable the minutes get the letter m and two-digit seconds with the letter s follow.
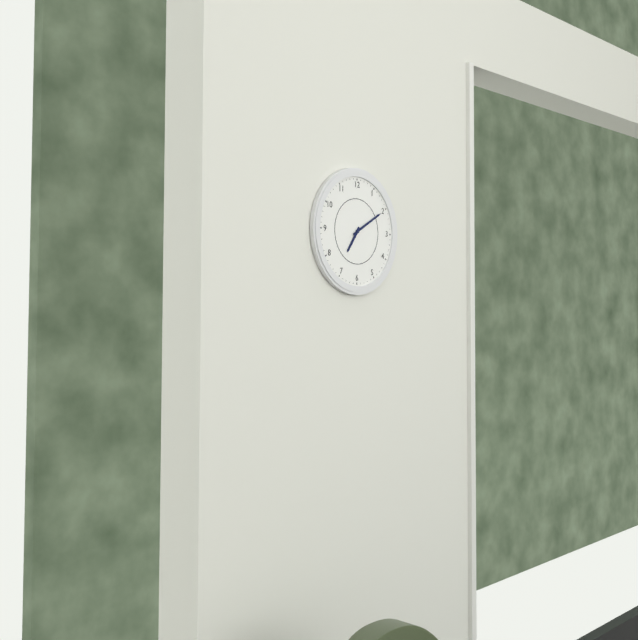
7h10
